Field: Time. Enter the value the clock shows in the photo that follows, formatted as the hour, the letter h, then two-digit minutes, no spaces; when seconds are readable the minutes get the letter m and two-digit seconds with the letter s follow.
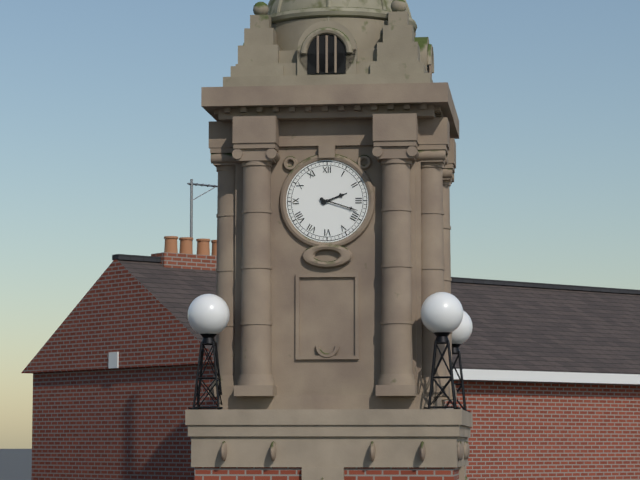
2h18
